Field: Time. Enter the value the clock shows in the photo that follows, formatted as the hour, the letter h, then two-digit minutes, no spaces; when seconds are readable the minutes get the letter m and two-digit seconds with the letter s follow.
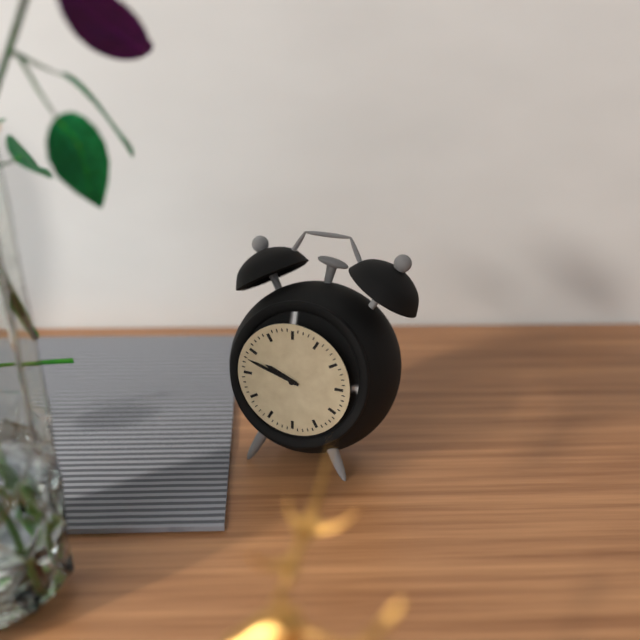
9h48
